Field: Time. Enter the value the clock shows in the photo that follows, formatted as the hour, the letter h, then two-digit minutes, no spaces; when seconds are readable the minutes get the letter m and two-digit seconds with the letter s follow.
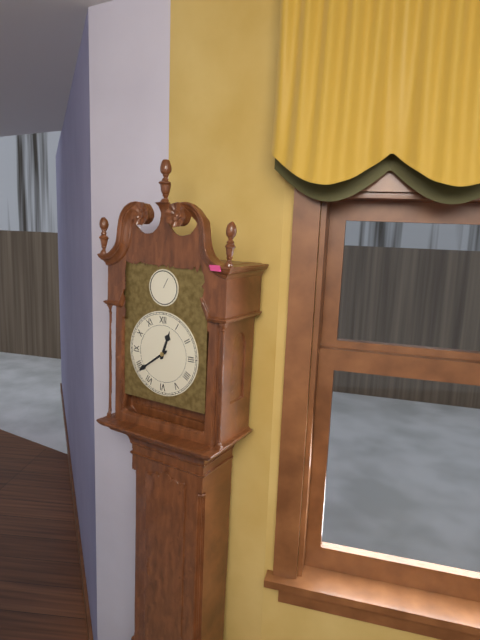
12h39
